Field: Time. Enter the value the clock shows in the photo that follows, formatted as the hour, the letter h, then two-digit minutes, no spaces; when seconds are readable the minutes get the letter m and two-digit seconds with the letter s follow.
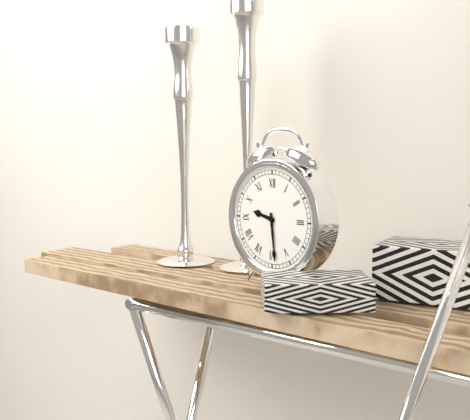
9h29
